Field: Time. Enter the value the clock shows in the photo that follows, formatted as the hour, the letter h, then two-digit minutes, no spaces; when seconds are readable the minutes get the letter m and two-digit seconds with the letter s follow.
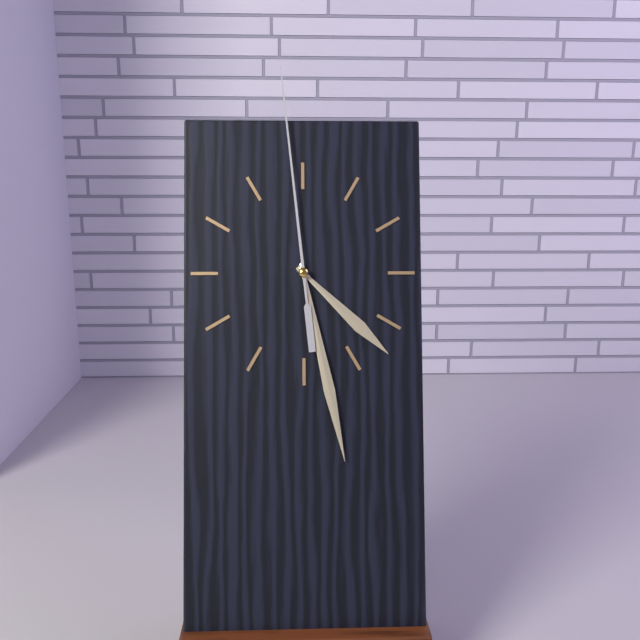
4h28m59s
